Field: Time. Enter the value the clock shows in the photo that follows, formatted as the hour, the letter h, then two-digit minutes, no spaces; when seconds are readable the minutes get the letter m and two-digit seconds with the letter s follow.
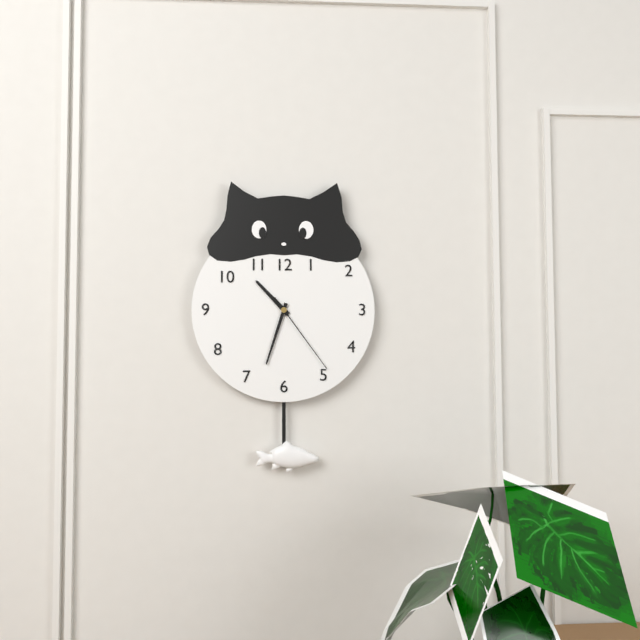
10h33m24s
